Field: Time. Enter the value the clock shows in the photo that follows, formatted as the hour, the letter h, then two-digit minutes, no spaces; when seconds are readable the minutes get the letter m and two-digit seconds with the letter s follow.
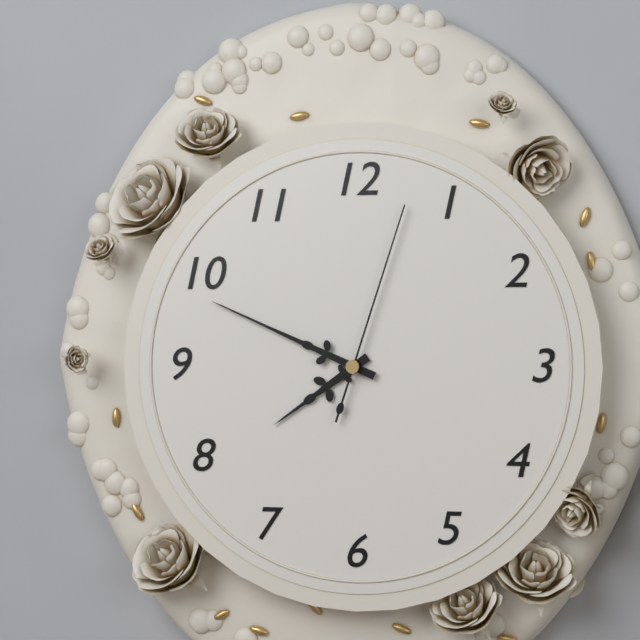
7h49m03s
